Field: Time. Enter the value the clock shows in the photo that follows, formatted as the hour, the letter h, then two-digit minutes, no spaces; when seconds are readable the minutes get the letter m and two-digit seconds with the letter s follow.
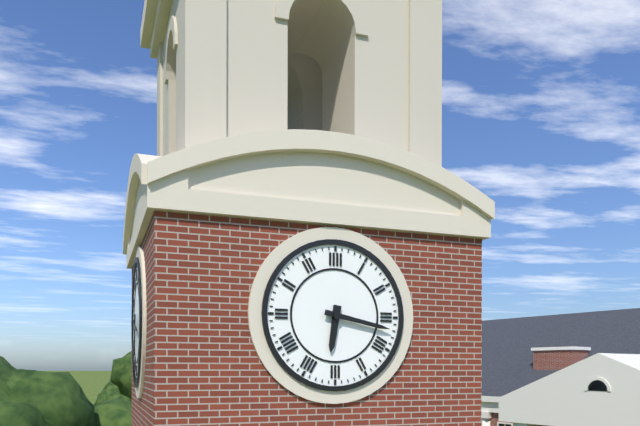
6h17
